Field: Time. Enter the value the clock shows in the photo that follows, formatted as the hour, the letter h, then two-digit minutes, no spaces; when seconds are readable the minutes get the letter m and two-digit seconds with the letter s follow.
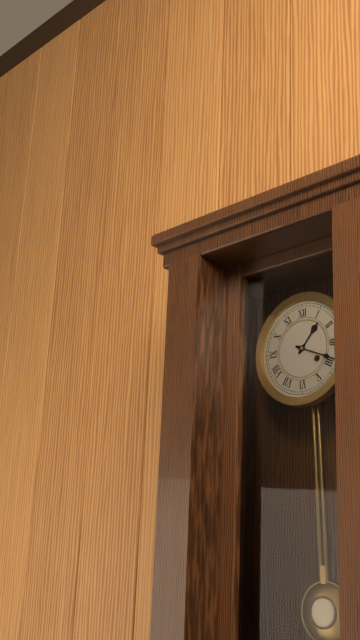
1h19
